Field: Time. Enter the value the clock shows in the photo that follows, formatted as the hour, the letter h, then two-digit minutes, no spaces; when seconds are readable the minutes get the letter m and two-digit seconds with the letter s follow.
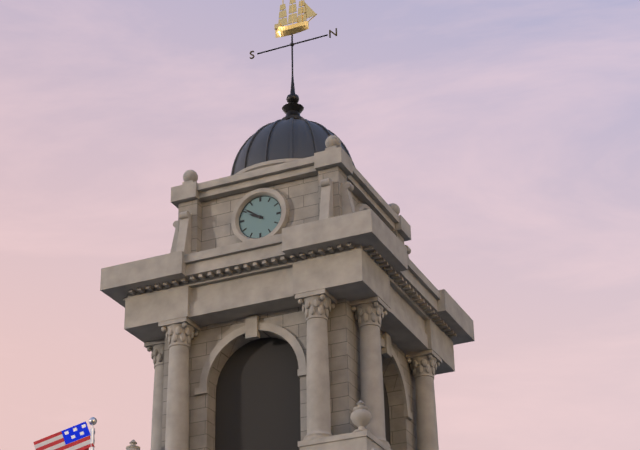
9h51
